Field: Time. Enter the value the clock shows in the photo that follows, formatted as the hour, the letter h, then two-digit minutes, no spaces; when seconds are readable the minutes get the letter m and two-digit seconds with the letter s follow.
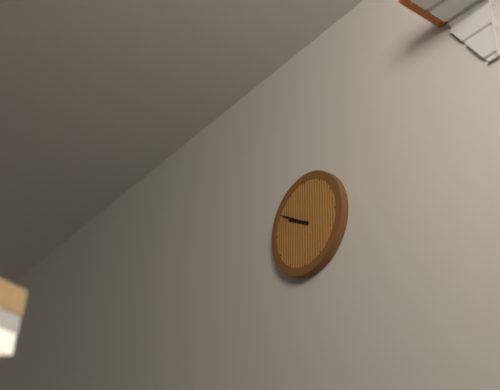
9h50
